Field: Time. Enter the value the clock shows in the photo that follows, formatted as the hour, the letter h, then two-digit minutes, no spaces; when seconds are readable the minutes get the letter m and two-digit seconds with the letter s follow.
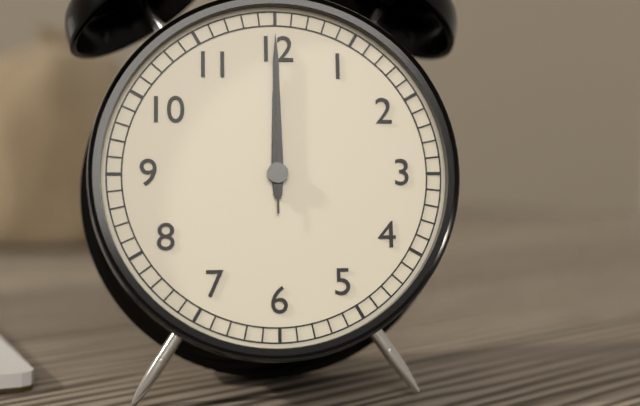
12h00m00s
